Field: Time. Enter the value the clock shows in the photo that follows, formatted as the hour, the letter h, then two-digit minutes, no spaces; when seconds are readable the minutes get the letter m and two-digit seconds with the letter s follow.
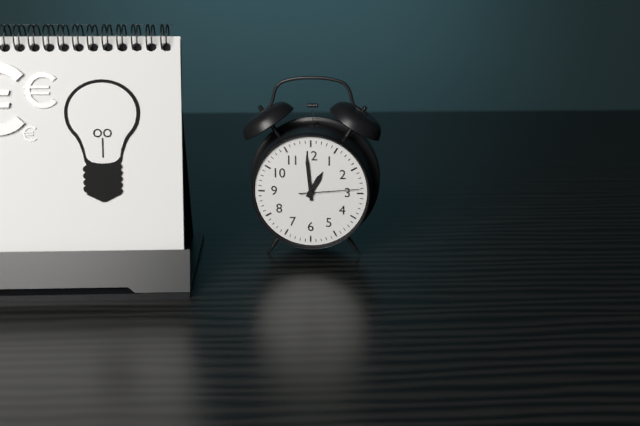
12h59m14s
